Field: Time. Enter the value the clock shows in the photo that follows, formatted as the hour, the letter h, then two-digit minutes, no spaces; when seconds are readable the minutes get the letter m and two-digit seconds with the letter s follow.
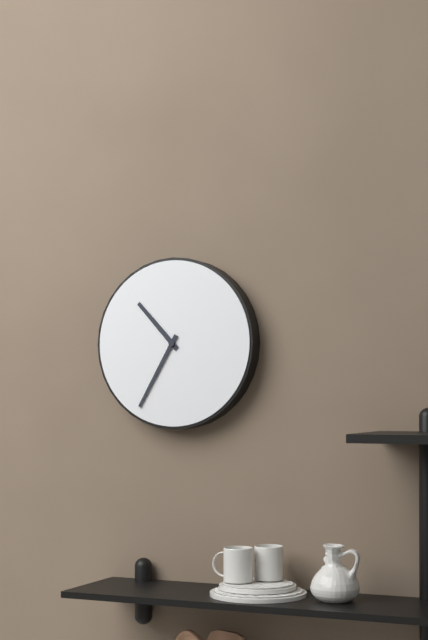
10h35
